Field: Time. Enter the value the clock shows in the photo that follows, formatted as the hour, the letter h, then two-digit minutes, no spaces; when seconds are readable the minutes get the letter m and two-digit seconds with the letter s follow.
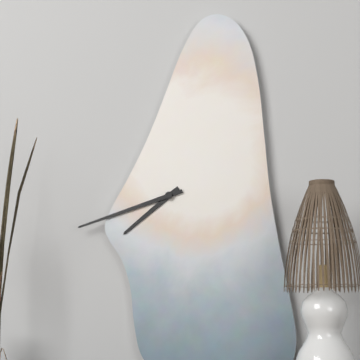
7h42
